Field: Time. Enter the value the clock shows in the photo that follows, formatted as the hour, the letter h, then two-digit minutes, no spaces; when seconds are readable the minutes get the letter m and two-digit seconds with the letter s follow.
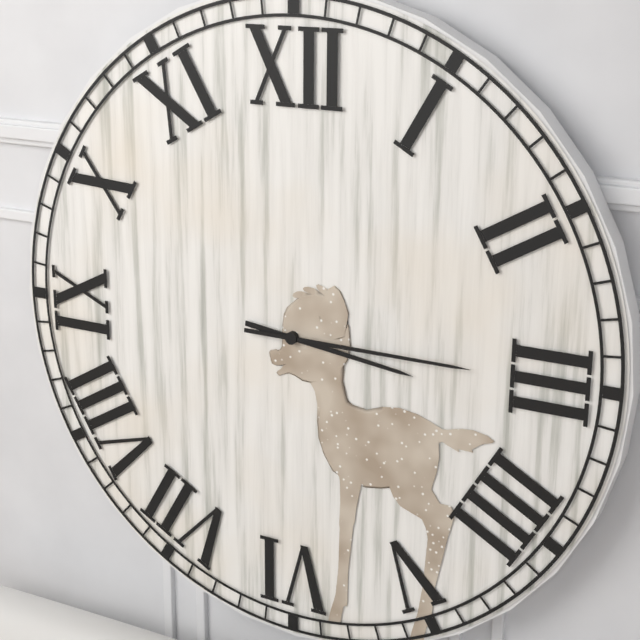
3h15
